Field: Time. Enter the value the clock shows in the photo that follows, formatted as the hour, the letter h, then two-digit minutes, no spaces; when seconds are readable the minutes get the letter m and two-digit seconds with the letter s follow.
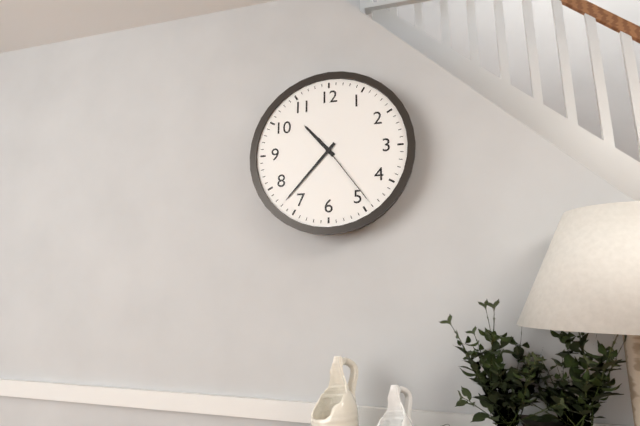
10h37m24s
